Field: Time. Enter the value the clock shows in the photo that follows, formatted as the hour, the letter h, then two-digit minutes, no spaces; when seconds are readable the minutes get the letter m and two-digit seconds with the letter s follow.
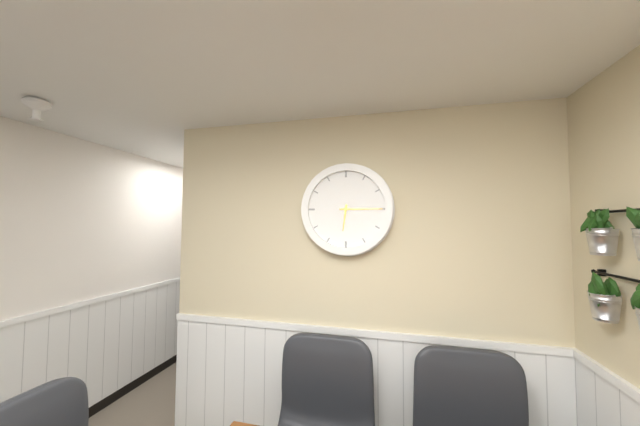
6h15
